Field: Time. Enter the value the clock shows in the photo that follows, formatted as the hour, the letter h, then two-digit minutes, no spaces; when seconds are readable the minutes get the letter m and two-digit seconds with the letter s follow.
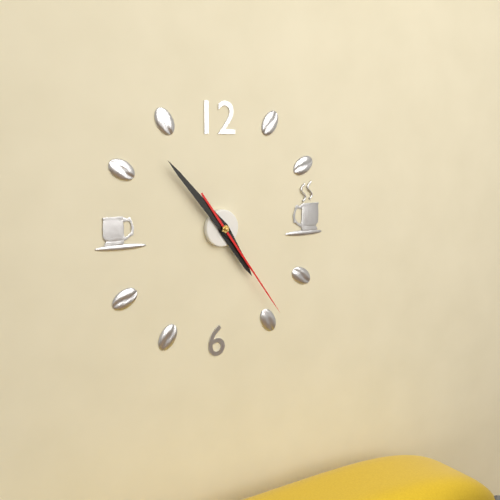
4h53m24s
